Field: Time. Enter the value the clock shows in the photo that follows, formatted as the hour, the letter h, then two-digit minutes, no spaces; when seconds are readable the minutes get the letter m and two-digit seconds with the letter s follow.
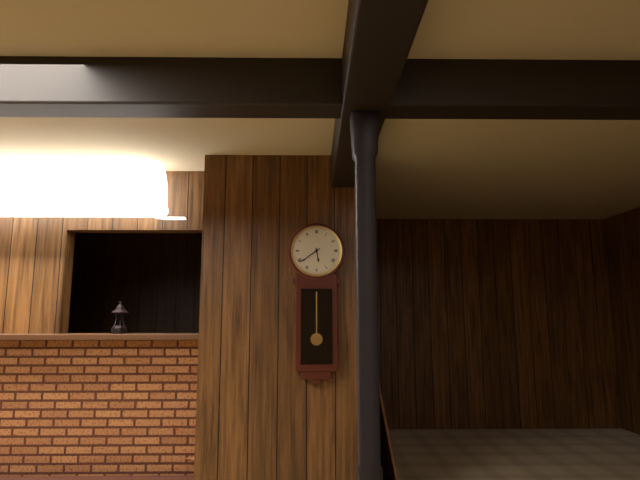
5h39
